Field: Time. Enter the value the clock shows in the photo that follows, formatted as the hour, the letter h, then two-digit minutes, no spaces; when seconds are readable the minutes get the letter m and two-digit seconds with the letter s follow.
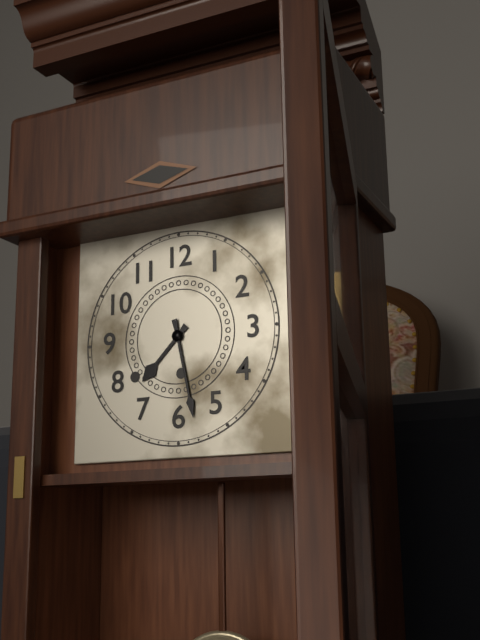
7h28
